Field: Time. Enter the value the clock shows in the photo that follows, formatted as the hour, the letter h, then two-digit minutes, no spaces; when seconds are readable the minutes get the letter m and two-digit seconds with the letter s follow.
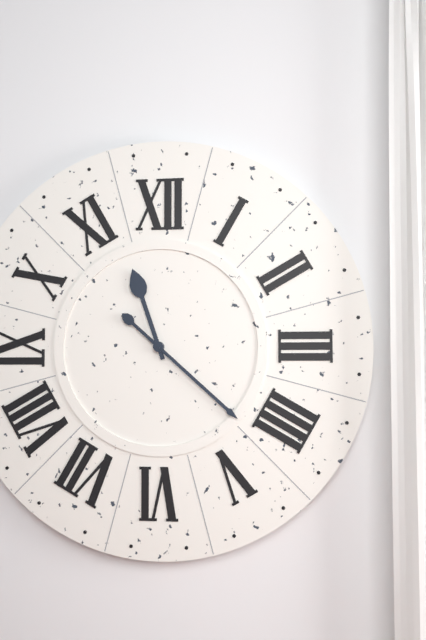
11h22
